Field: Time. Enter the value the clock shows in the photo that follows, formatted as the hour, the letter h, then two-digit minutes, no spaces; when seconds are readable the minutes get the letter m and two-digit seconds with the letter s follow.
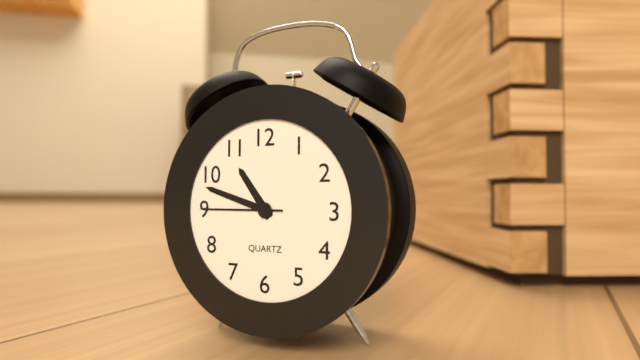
10h48m45s
